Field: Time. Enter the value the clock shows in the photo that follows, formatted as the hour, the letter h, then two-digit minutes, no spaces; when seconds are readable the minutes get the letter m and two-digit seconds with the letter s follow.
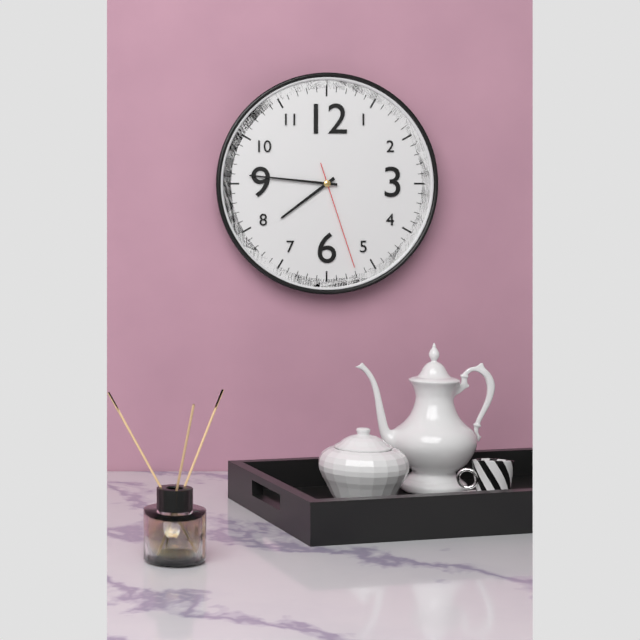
7h46m27s
